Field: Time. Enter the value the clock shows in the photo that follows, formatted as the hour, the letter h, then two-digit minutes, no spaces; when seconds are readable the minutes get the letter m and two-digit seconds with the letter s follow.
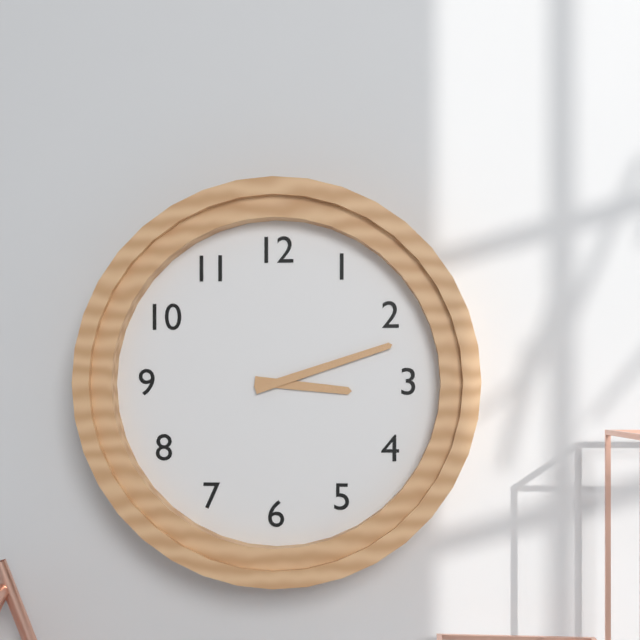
3h12
